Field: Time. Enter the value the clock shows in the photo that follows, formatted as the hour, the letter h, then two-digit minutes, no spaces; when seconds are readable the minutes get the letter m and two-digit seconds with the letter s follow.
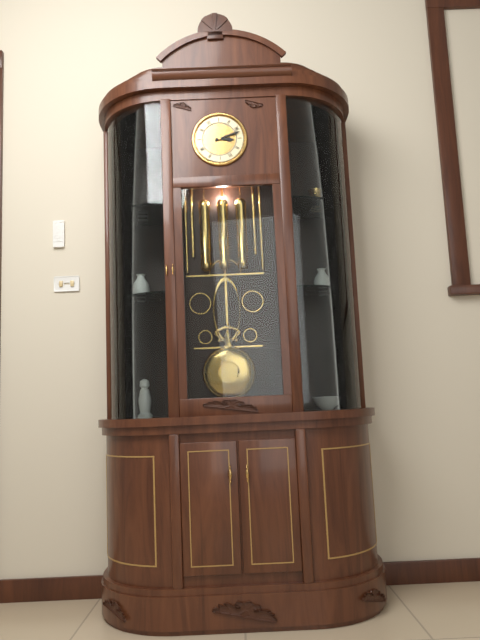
3h12
